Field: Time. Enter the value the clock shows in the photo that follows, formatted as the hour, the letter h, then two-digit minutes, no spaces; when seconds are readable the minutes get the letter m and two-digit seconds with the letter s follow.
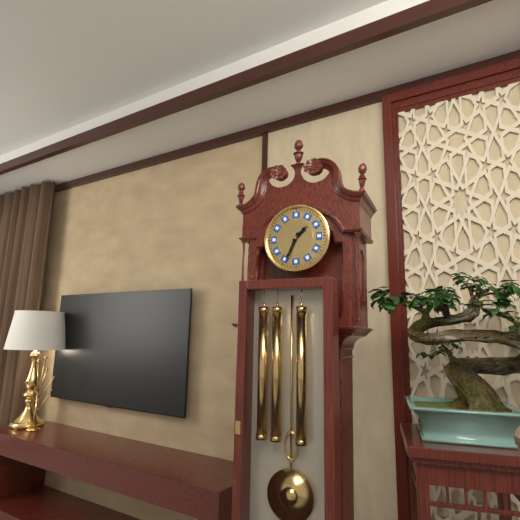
1h34
